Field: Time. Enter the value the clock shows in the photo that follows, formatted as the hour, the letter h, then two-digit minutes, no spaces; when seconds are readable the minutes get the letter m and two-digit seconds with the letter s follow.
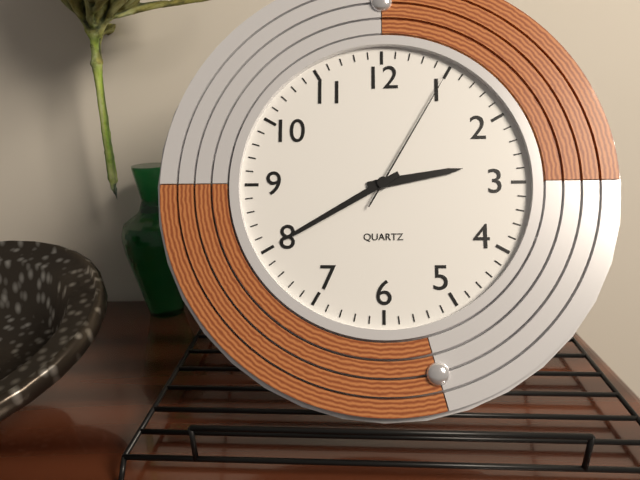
2h40m05s
